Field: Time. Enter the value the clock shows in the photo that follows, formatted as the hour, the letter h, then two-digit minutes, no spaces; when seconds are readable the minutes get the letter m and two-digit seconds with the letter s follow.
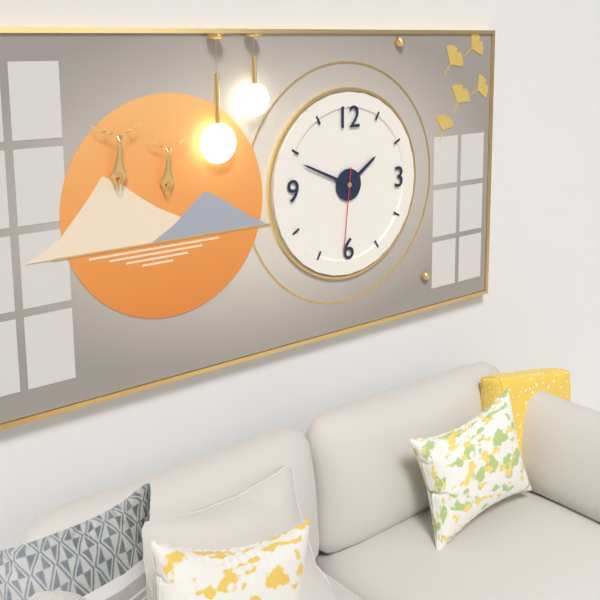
1h49m31s
